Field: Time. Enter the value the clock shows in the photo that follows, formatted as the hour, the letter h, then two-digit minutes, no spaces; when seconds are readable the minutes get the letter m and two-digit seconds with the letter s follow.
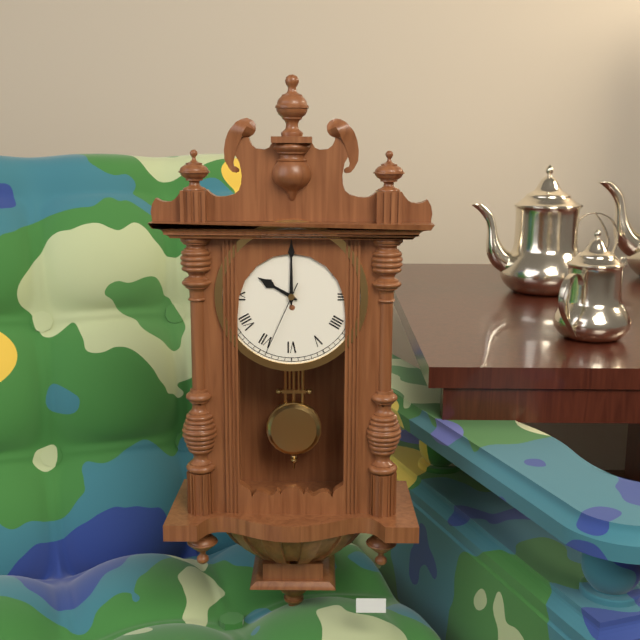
10h00m34s
